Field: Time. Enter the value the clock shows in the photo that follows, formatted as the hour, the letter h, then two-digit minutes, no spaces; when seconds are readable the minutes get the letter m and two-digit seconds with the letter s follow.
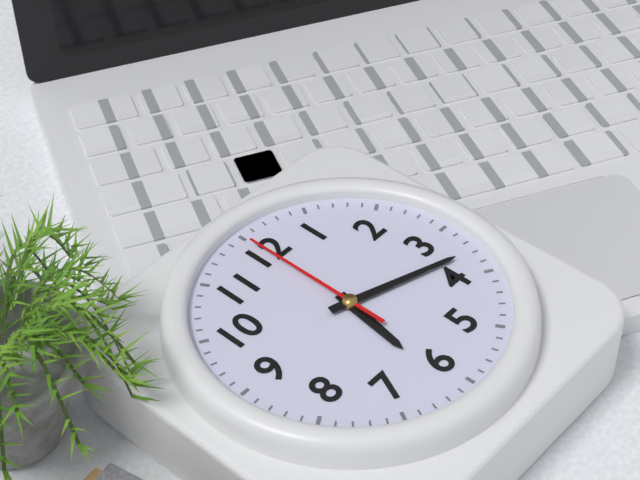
6h18m00s
